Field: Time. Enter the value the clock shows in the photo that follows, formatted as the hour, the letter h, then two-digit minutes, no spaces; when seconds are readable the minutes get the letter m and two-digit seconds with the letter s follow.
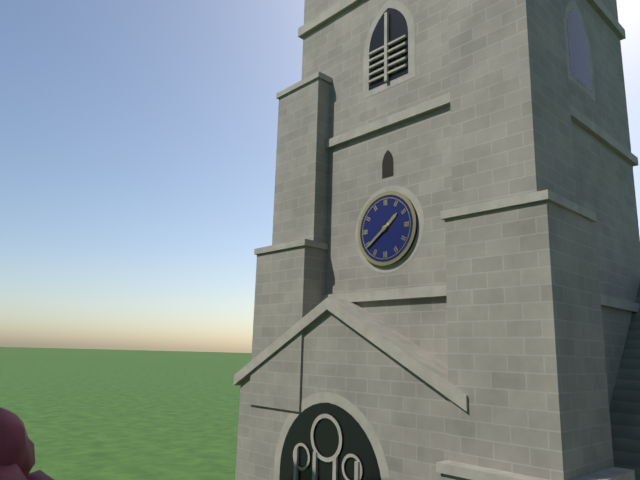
1h39
